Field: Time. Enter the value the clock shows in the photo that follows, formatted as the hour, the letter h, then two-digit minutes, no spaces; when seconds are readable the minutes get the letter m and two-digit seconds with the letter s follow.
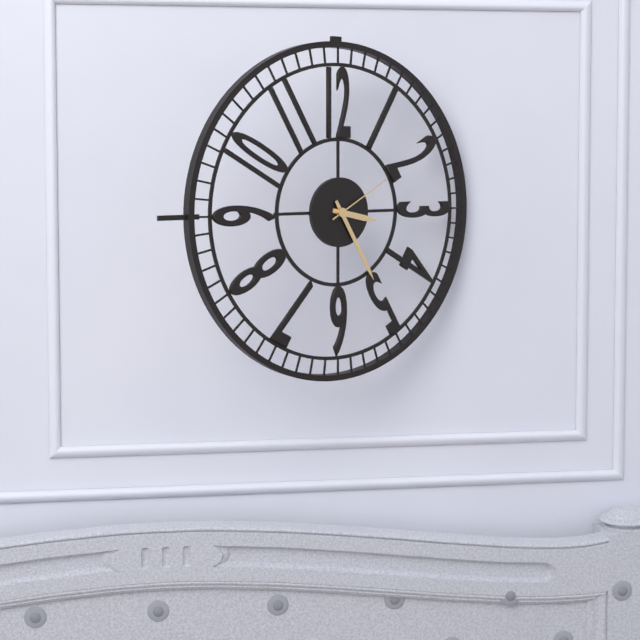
3h25m10s
